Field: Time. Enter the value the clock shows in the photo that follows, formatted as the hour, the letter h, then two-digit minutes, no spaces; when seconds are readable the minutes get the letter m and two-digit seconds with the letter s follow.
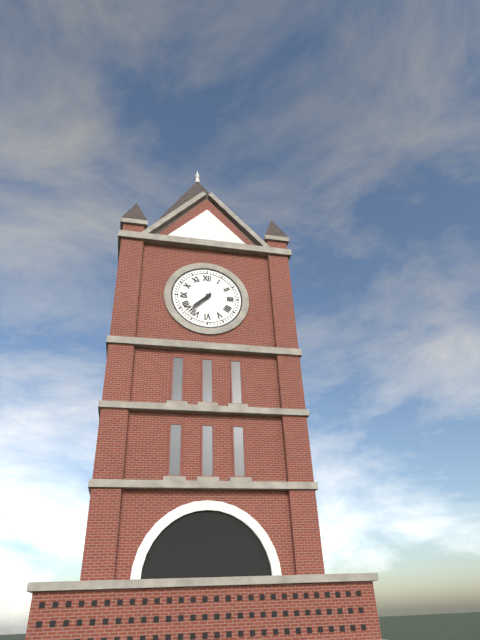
7h37
